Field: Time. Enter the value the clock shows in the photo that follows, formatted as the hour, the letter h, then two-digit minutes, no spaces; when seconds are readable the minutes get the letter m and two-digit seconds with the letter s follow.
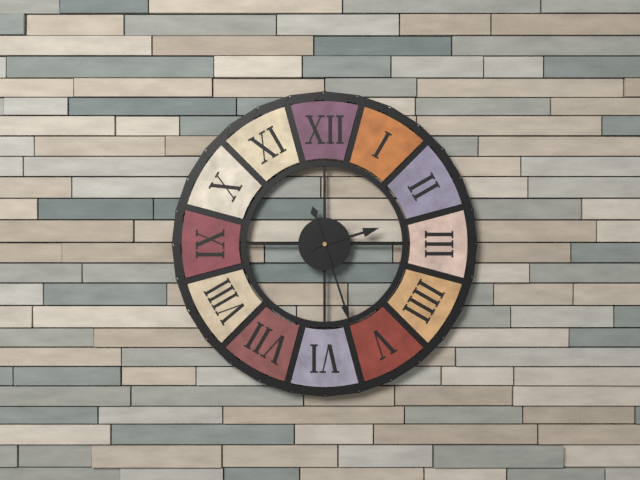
2h27
